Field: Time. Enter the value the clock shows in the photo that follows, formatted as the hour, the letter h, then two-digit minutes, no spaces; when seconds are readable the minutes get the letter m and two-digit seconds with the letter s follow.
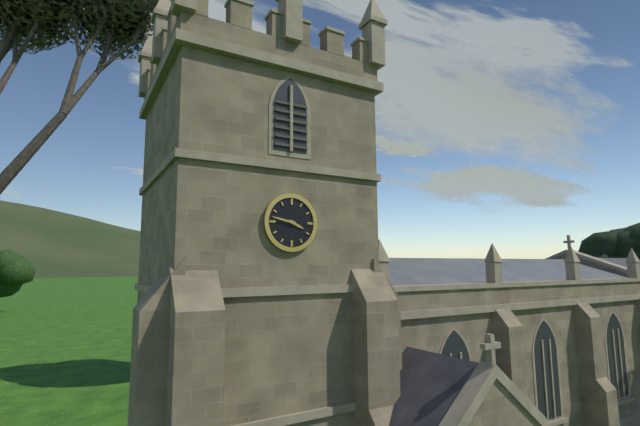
3h47
